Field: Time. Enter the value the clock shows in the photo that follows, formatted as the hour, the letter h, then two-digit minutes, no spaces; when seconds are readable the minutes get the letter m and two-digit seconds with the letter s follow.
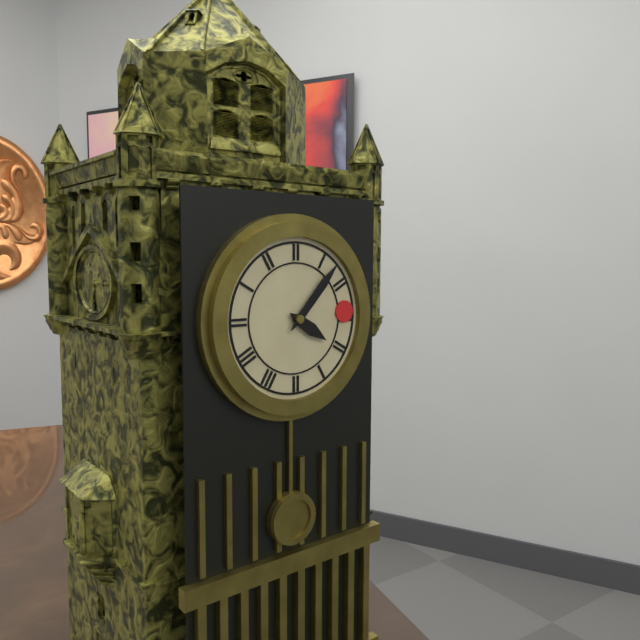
4h07
